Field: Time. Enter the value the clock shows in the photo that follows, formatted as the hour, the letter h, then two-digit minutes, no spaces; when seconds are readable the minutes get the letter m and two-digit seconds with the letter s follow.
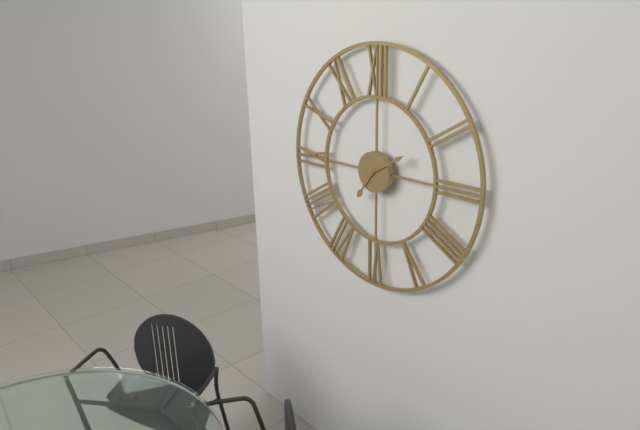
7h10
